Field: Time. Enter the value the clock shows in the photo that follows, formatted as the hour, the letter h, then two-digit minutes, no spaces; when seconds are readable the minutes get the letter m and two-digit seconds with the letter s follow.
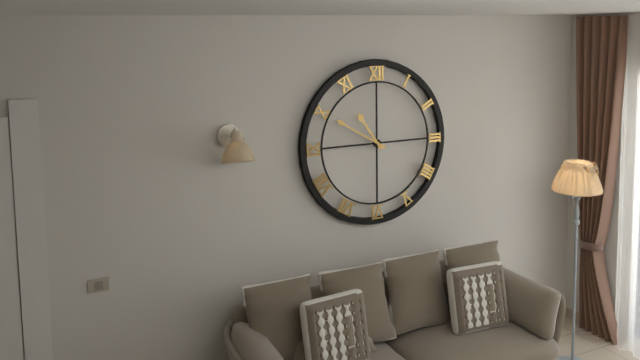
10h50
